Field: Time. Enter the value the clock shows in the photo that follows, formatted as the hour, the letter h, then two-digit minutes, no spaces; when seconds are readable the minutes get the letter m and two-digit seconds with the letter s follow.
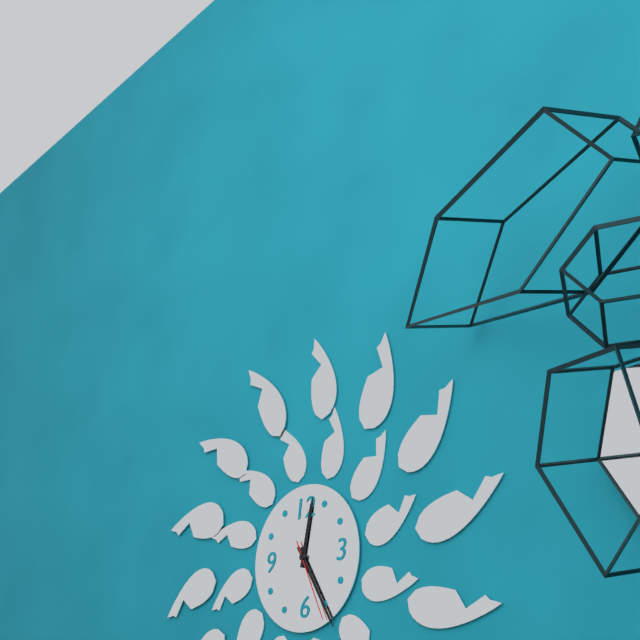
12h25m26s
